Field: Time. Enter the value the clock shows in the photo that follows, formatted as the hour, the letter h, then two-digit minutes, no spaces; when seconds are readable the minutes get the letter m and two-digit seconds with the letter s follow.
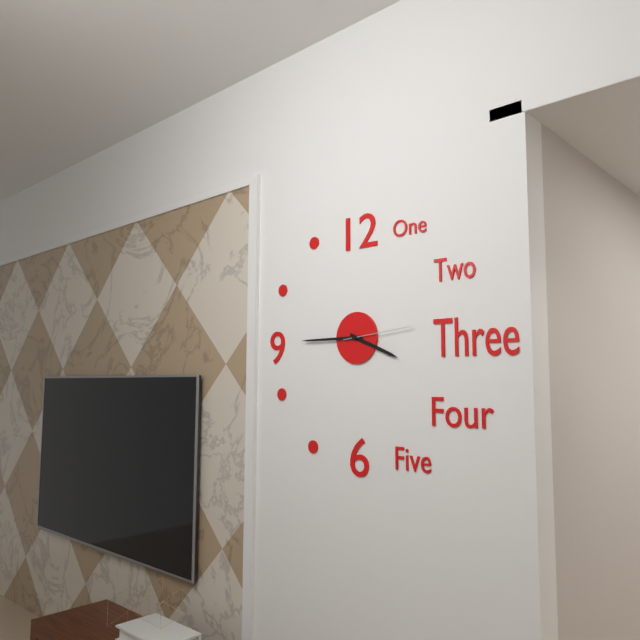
3h45m14s
